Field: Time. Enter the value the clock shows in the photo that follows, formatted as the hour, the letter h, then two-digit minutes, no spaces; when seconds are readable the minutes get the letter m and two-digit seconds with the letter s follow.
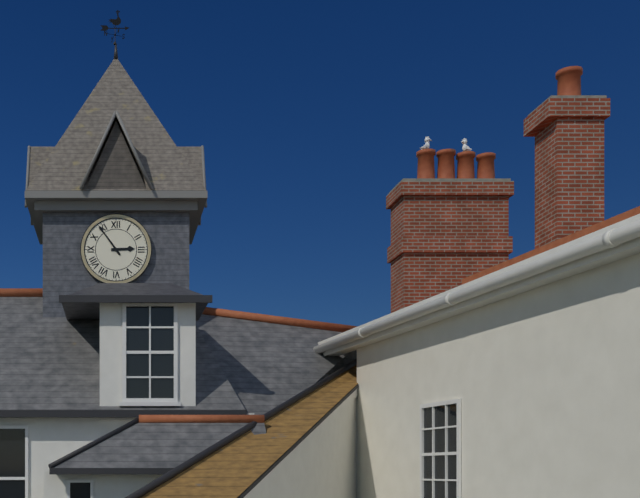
2h54
